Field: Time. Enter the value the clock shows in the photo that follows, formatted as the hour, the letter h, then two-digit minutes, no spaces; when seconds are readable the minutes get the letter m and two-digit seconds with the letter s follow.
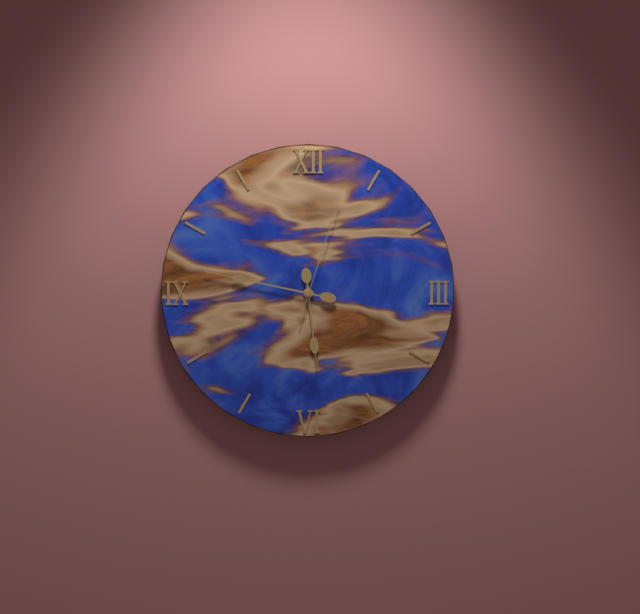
5h47m03s
